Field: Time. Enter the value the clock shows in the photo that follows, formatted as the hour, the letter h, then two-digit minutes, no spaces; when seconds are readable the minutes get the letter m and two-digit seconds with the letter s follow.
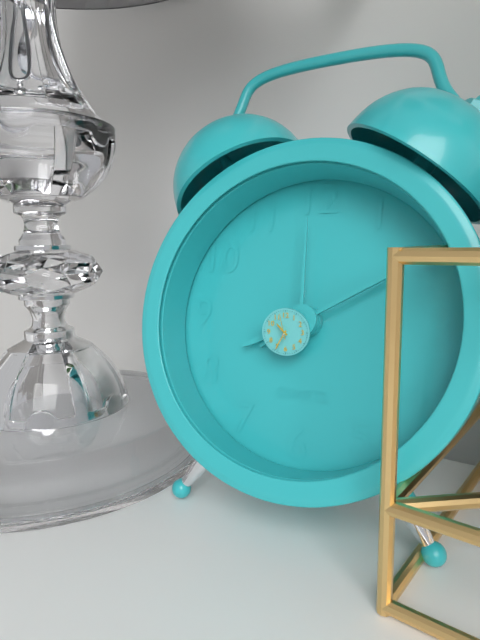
10h35
